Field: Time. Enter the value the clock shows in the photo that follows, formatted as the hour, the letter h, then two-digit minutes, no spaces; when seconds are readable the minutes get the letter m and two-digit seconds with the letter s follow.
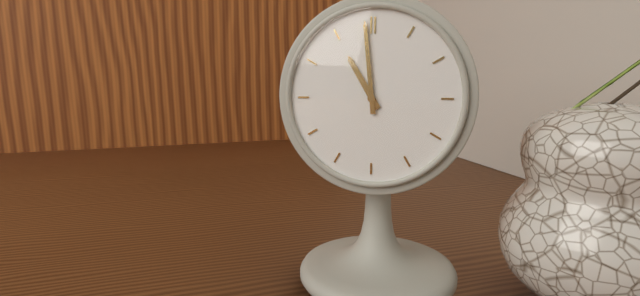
10h59
